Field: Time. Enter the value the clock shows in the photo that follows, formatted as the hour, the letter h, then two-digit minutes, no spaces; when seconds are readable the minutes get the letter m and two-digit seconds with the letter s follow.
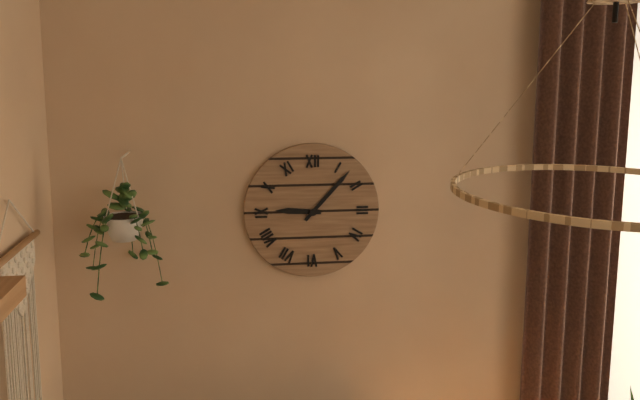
9h07
